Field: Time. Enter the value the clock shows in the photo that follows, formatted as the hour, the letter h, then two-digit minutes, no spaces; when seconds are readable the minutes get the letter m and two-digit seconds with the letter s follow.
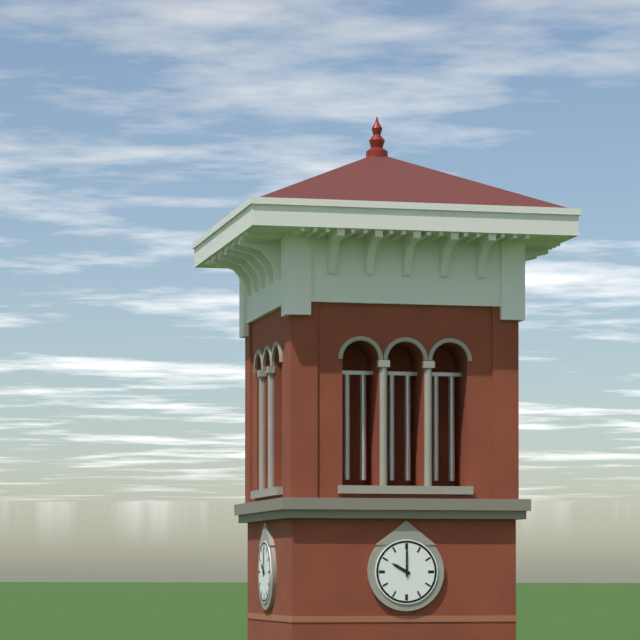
10h00
